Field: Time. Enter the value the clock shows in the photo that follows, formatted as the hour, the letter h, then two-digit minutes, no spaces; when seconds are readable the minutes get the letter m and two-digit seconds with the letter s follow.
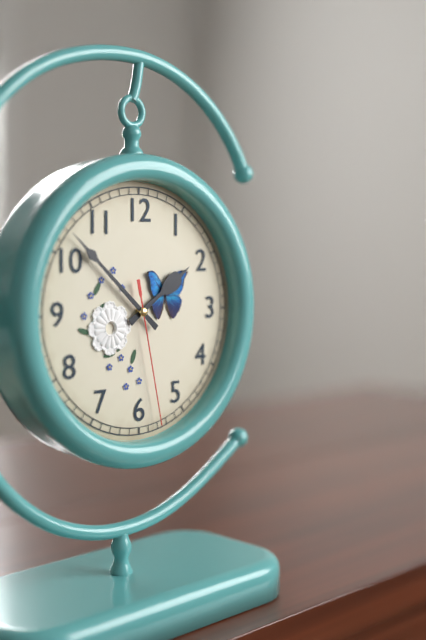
1h52m28s
